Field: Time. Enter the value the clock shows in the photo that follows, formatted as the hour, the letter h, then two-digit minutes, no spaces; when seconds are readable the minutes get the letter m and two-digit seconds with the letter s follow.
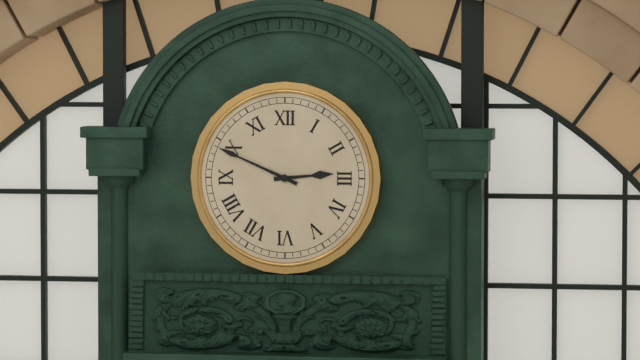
2h49
